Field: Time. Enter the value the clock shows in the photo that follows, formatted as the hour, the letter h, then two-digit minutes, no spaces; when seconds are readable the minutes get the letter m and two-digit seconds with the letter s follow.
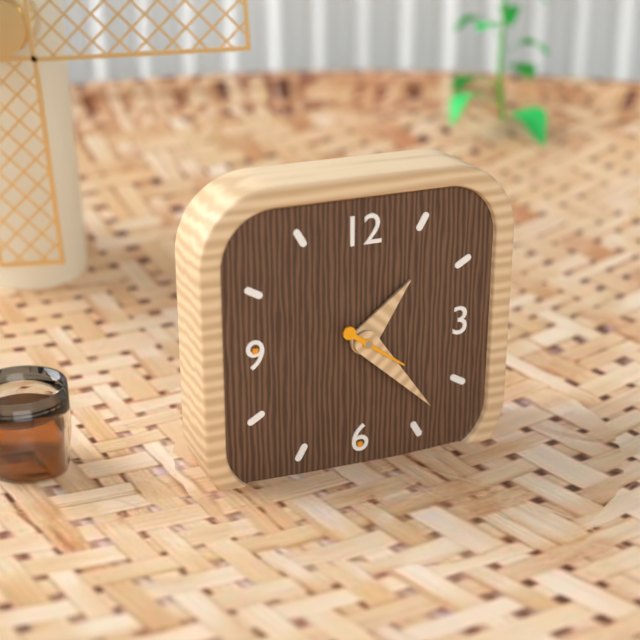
1h23m21s
